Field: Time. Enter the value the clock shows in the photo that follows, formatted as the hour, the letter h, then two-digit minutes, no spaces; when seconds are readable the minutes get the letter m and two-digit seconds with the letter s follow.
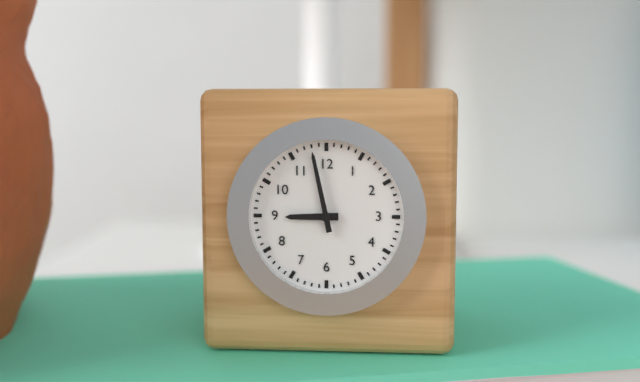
8h58
